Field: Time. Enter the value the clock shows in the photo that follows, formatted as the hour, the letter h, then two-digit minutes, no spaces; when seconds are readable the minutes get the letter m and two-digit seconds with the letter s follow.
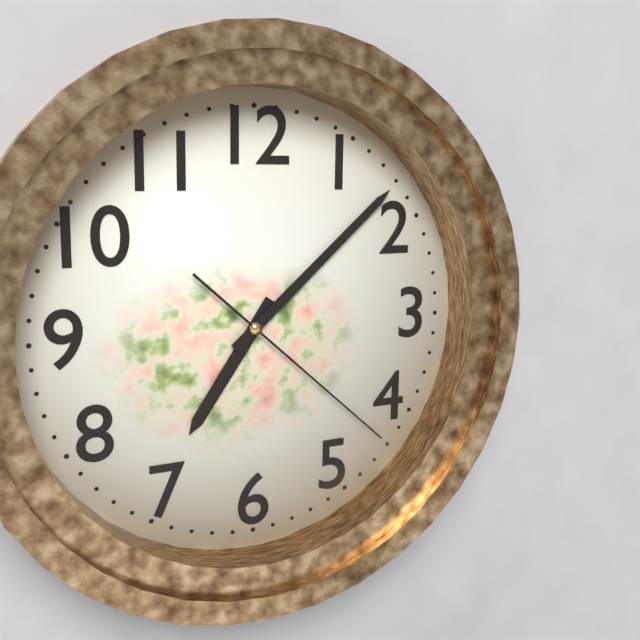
7h08m22s
